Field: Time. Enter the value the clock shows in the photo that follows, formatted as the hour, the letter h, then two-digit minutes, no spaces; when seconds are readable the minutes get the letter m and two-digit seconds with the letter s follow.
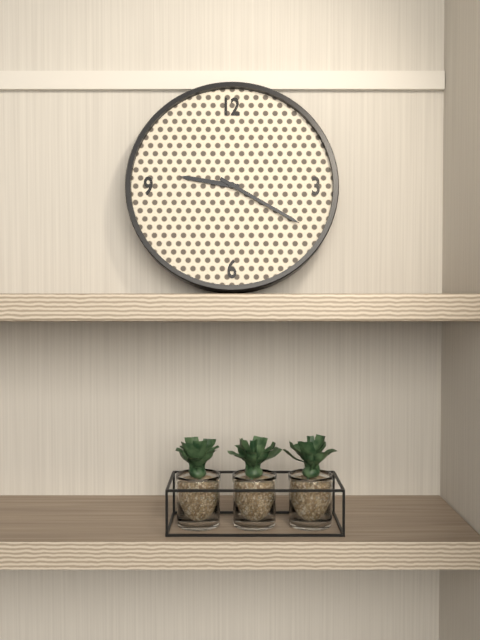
9h20
